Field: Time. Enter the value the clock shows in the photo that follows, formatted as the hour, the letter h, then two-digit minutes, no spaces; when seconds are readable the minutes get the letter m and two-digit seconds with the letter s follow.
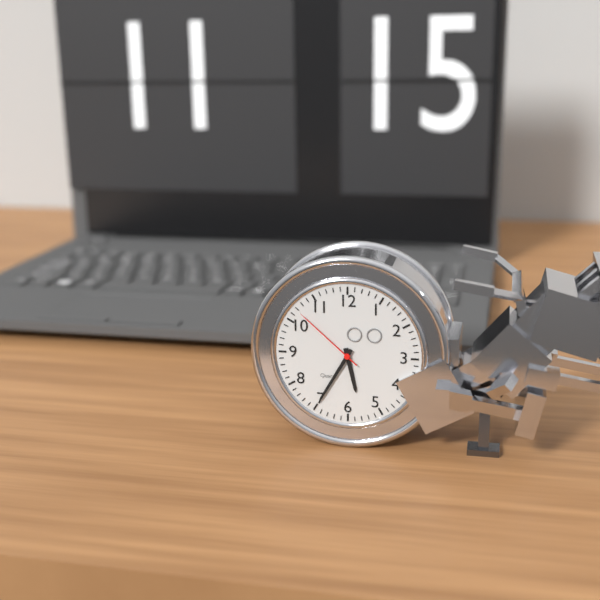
5h35m52s
